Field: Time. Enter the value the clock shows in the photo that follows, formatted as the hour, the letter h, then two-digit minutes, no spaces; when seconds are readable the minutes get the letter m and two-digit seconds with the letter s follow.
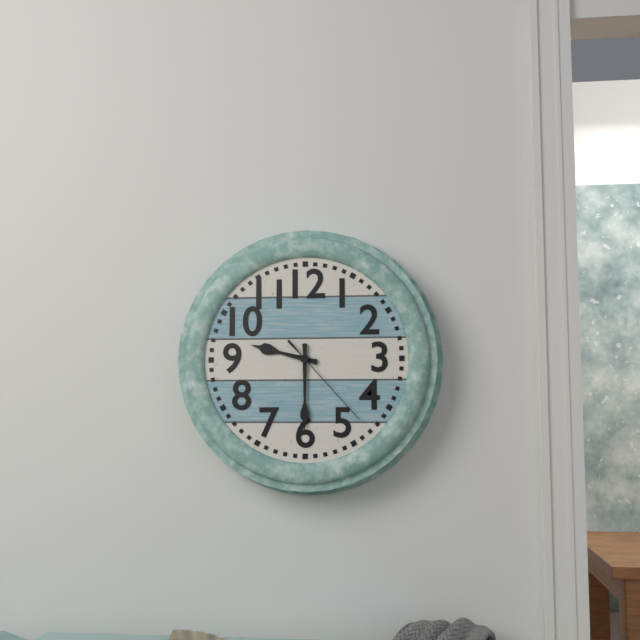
9h30m23s
